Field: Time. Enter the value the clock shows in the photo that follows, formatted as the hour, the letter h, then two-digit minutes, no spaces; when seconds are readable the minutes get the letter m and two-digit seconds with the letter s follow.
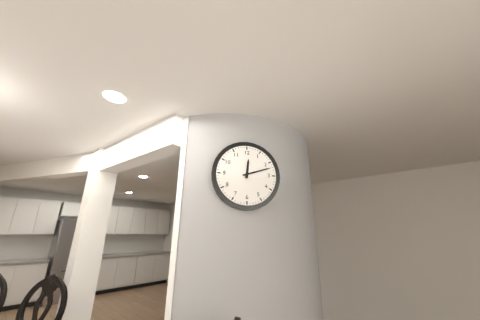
12h12
